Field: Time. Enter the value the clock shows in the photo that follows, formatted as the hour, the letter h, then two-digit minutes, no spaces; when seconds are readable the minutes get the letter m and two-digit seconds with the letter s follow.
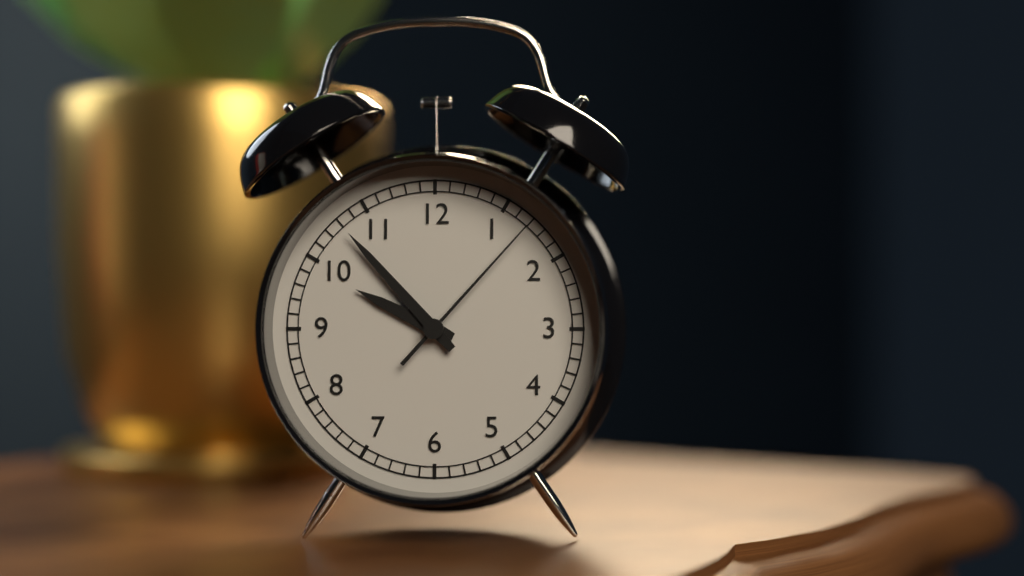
9h53m07s
